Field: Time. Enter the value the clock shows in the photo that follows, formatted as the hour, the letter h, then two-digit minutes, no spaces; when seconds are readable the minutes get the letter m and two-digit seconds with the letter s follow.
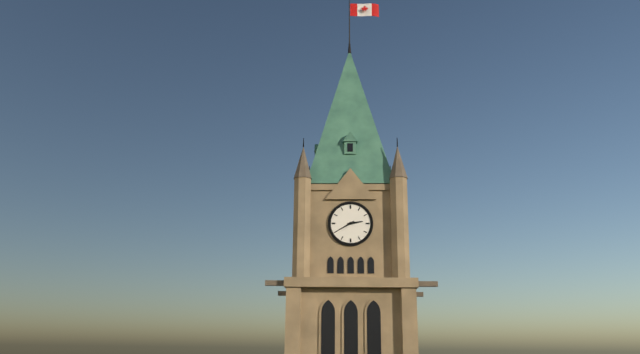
2h40
